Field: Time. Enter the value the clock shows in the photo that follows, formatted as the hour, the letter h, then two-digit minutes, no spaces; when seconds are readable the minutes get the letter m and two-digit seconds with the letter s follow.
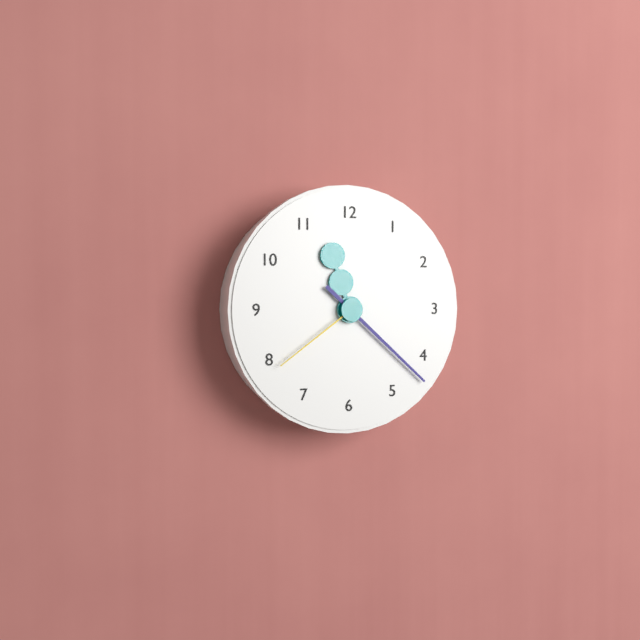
11h22m39s
